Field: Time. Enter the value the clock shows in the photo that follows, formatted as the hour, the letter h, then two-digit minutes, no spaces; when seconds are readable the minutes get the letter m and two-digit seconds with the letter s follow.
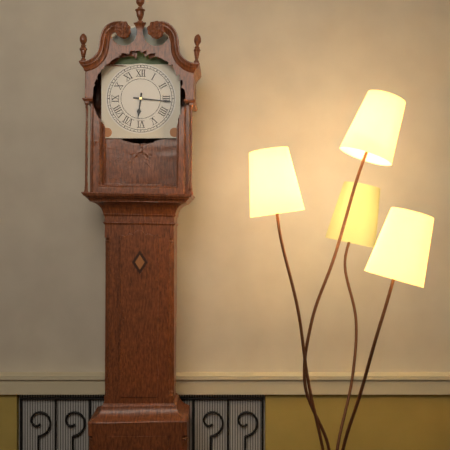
6h16
